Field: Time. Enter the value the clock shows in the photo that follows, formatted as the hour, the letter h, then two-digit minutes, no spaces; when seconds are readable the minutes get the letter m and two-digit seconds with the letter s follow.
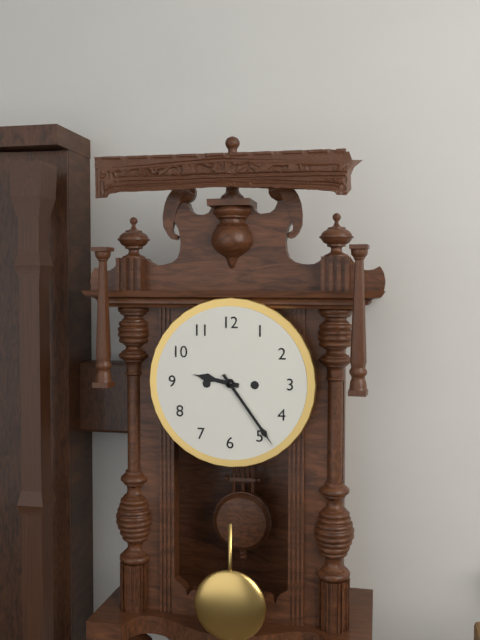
9h24
